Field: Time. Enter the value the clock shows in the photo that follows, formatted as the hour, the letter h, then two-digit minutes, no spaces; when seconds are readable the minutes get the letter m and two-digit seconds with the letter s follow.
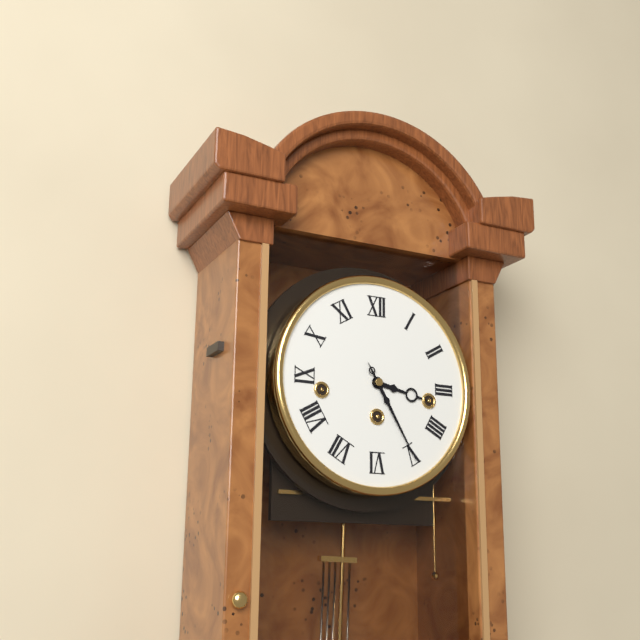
3h25
